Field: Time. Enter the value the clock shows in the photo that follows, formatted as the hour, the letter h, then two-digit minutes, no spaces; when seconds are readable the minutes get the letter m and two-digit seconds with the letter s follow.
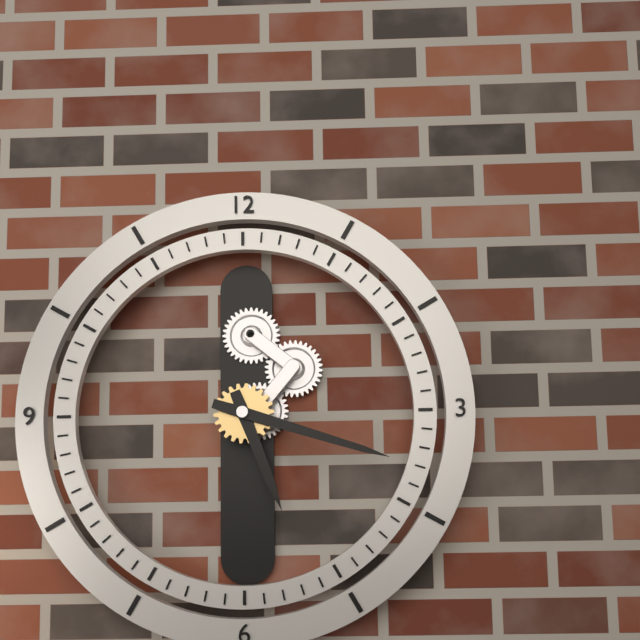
5h18
